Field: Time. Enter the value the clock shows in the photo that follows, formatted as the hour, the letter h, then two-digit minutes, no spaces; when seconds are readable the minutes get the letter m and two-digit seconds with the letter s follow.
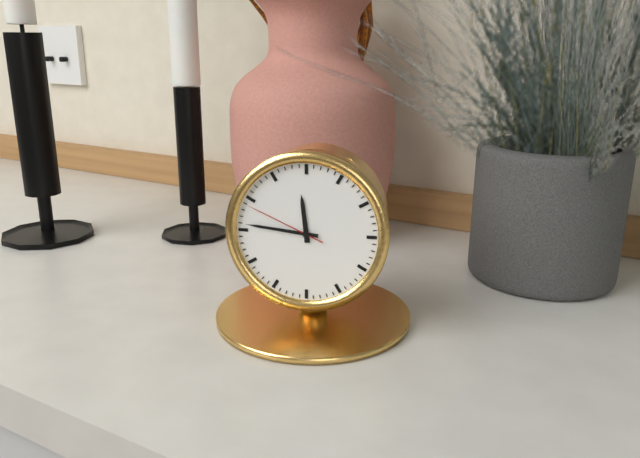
11h46m49s
